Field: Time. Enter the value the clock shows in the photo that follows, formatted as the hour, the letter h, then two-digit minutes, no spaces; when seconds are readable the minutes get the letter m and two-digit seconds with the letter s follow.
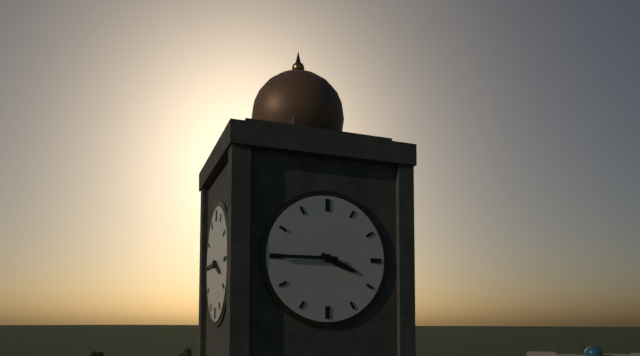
3h45
